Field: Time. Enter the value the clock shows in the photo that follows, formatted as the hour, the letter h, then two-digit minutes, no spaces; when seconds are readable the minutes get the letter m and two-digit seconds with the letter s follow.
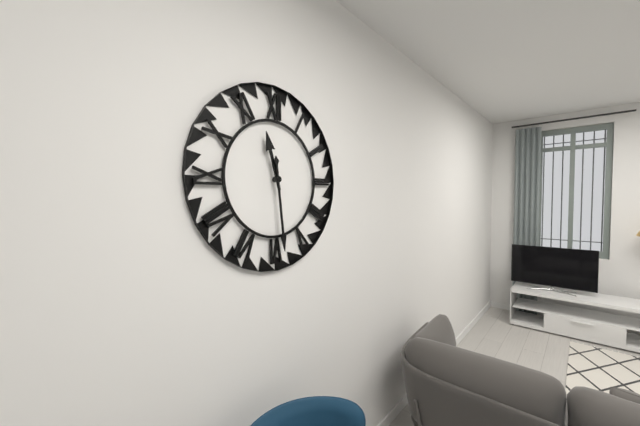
11h29
